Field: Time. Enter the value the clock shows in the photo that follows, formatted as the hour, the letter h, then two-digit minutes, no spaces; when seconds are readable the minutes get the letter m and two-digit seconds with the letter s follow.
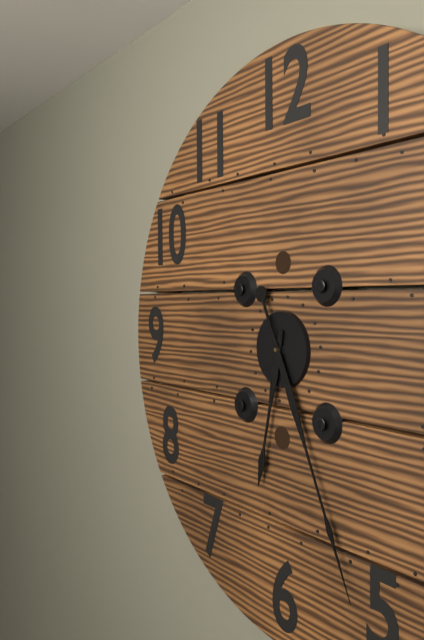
6h26
